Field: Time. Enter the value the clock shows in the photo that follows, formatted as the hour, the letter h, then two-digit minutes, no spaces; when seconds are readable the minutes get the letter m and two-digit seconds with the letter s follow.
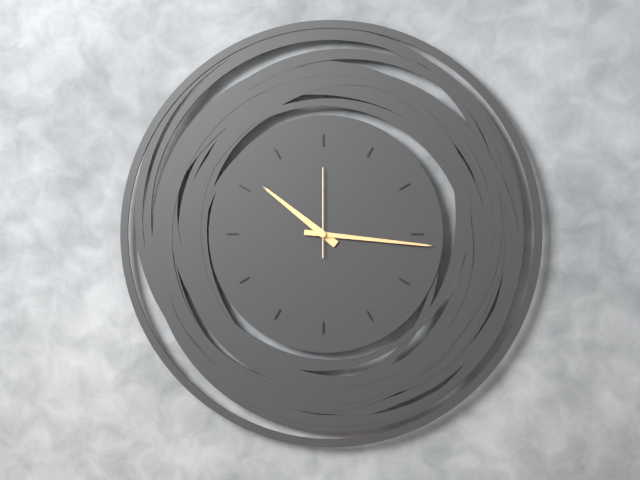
10h16m00s
